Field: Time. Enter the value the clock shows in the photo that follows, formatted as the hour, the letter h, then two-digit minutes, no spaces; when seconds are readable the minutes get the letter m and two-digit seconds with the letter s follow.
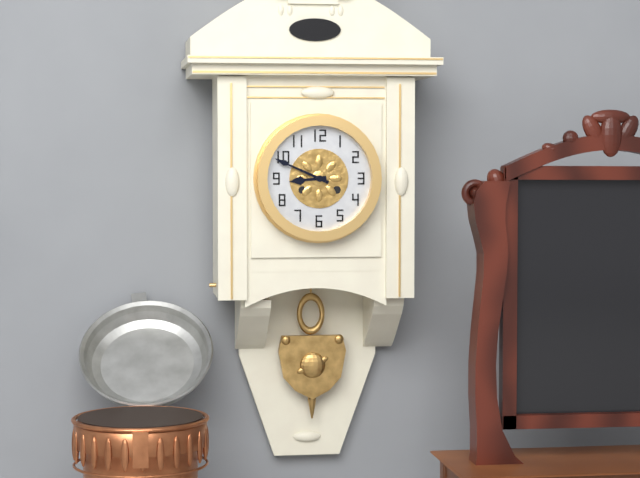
8h49
